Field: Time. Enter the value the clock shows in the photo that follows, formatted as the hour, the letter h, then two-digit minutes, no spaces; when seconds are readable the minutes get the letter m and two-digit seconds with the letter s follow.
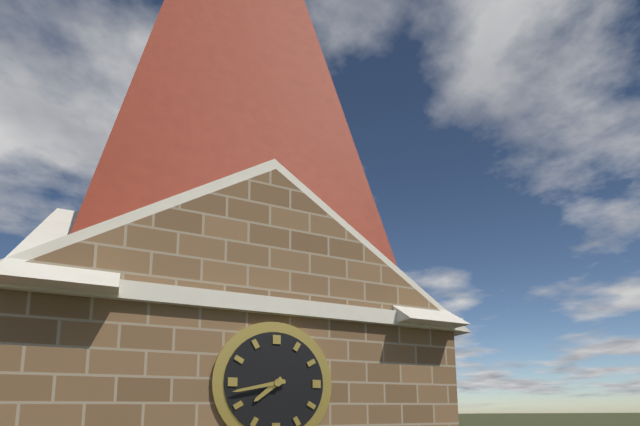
7h43
